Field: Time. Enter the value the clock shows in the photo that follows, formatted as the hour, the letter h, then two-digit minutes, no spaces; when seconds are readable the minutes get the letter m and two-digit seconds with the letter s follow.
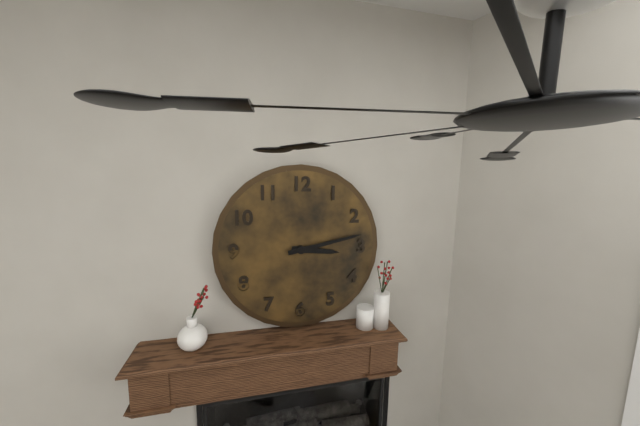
3h13
